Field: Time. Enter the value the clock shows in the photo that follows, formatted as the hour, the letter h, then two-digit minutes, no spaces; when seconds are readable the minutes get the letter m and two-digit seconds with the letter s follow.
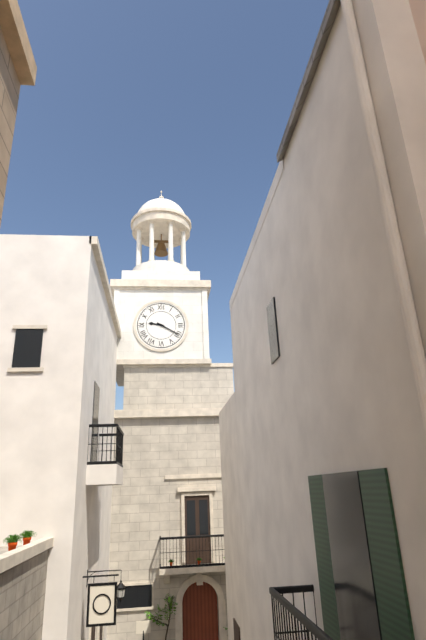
9h20
